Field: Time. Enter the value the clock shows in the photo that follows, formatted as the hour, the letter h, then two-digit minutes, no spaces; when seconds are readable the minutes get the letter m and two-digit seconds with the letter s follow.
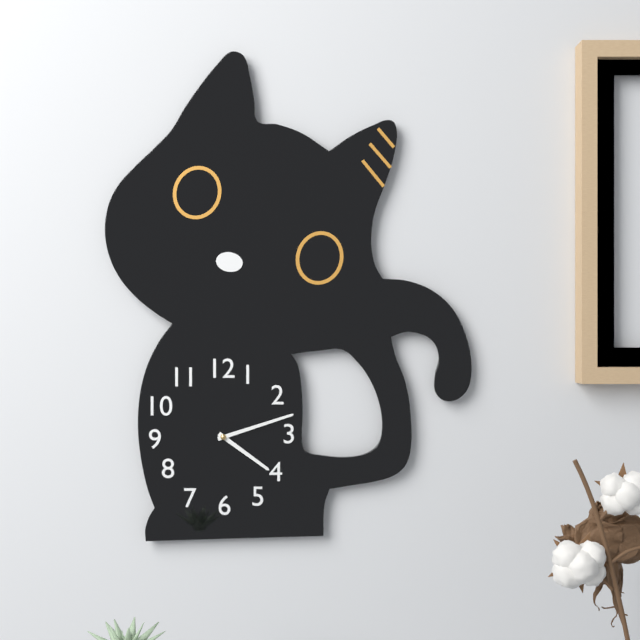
4h12
